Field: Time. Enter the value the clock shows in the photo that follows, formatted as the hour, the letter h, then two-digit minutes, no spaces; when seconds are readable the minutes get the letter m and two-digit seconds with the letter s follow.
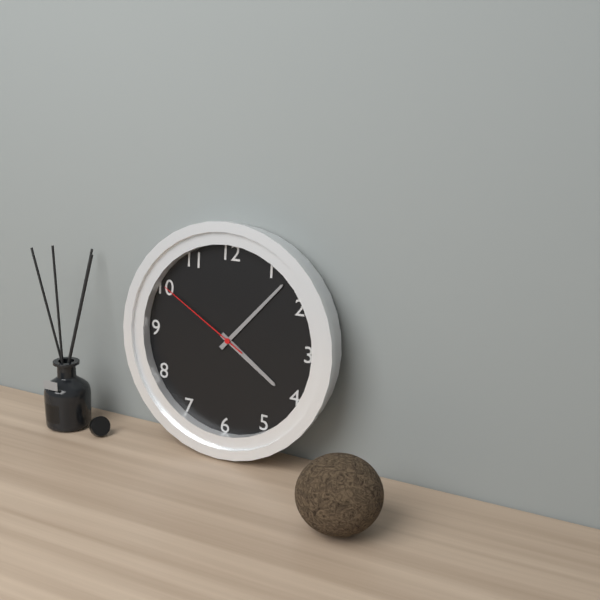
4h07m50s
